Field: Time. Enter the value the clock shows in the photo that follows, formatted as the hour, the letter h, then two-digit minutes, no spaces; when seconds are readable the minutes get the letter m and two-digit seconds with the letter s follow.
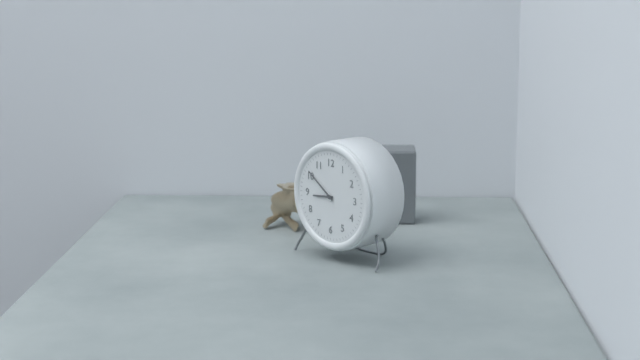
8h51
